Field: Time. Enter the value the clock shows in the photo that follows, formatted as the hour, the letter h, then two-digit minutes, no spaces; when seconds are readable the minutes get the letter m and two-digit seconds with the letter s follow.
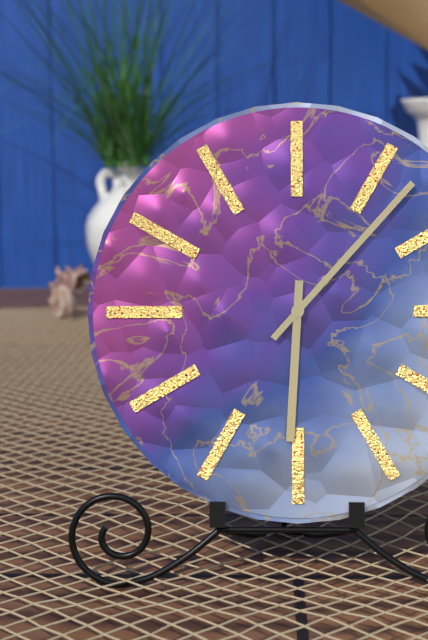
6h07
